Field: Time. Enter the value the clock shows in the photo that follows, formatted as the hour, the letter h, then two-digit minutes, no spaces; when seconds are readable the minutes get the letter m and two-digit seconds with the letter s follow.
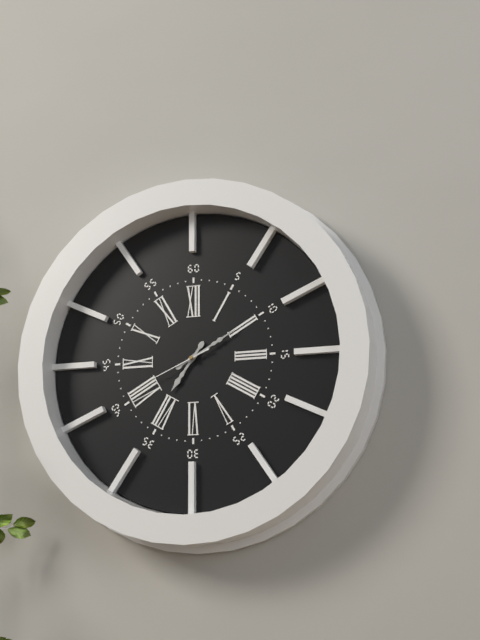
7h10m41s
